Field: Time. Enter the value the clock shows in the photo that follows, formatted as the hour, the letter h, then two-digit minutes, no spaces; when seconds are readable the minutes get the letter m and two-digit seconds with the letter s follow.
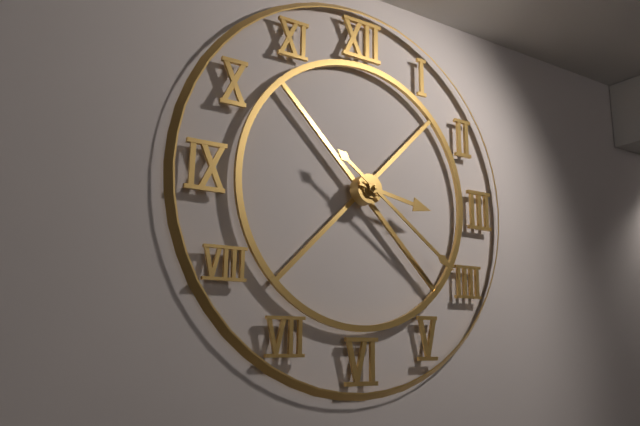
3h21
